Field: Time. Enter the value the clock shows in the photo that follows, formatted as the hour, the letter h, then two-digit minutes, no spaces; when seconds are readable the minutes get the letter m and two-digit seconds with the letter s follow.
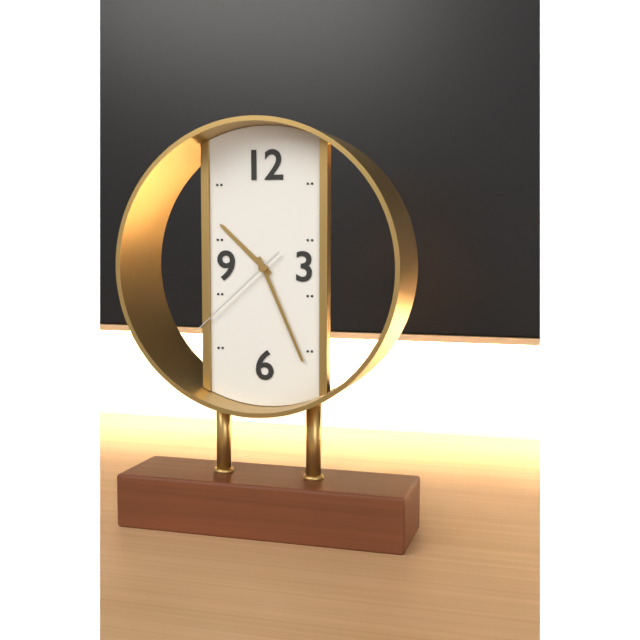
10h26m38s
